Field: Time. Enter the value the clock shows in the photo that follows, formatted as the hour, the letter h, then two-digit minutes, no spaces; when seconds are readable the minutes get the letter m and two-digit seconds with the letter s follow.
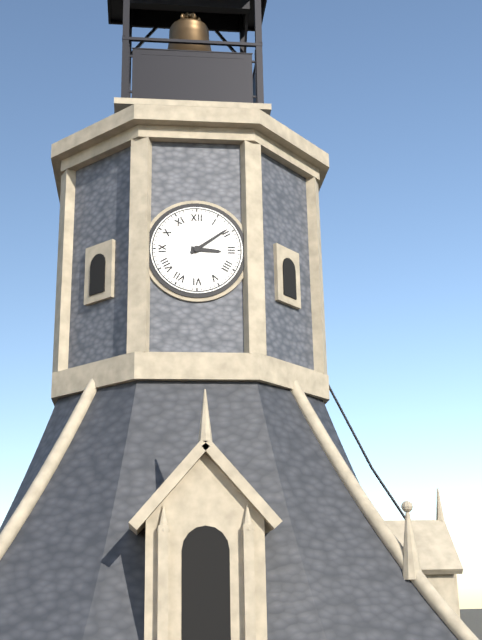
3h09
